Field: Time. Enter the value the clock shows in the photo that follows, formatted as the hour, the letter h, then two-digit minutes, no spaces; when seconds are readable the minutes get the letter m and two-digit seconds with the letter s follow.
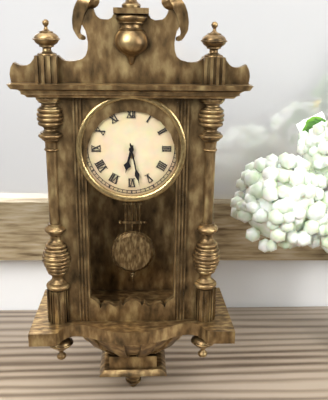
6h28
